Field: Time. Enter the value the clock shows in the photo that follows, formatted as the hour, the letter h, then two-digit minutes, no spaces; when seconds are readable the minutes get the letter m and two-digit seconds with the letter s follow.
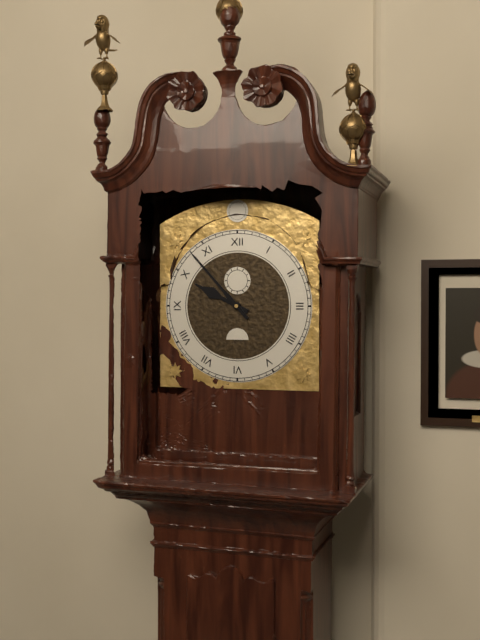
9h53
